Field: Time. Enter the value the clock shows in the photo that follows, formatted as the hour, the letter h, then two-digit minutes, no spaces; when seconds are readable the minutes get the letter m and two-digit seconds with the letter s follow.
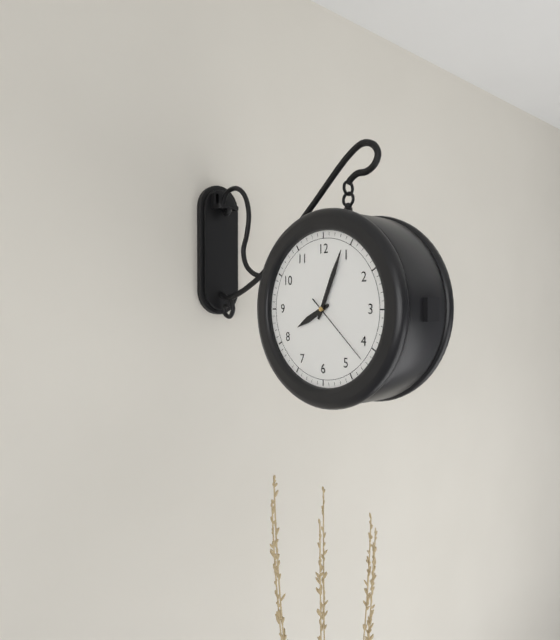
8h04m22s
